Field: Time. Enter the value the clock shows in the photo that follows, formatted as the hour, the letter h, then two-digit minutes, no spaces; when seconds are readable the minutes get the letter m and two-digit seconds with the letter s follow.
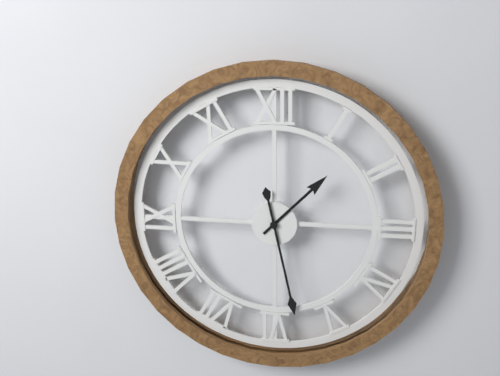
1h28
